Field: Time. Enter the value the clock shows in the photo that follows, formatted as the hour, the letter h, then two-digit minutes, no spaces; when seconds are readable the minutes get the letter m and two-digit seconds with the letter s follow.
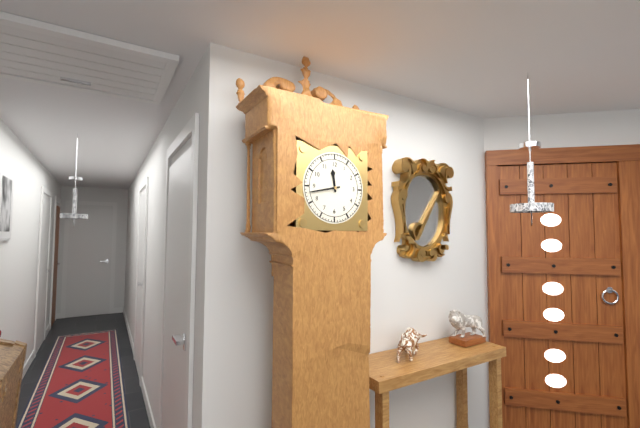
11h43
